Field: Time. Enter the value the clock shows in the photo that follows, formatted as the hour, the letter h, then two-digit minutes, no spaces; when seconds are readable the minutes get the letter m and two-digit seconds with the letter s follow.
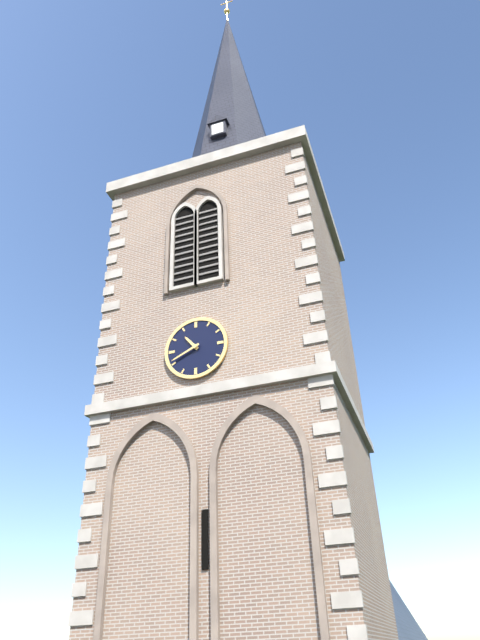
10h41
